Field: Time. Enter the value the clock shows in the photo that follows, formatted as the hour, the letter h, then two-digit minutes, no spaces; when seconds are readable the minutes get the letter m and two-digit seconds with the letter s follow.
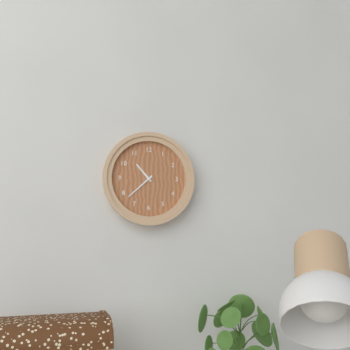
10h38
